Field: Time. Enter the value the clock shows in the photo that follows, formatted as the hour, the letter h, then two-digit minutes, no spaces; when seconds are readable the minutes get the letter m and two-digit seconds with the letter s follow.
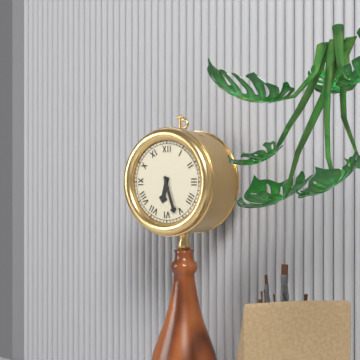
6h27
